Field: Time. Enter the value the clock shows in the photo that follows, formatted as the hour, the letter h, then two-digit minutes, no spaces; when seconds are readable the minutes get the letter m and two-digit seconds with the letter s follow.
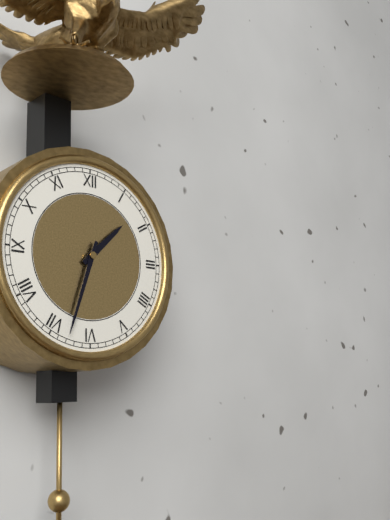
1h33
